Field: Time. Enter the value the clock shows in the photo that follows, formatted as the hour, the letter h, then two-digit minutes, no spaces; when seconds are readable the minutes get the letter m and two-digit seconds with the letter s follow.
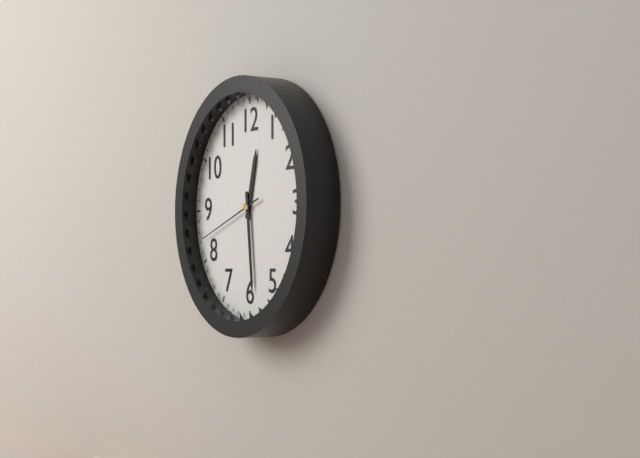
12h29m42s
